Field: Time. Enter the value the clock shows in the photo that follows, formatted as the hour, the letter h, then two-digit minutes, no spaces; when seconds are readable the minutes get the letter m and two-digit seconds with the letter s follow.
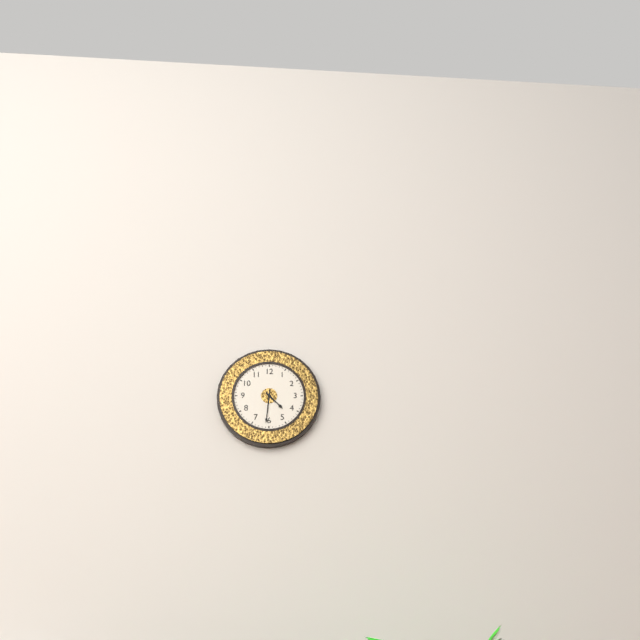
4h31
